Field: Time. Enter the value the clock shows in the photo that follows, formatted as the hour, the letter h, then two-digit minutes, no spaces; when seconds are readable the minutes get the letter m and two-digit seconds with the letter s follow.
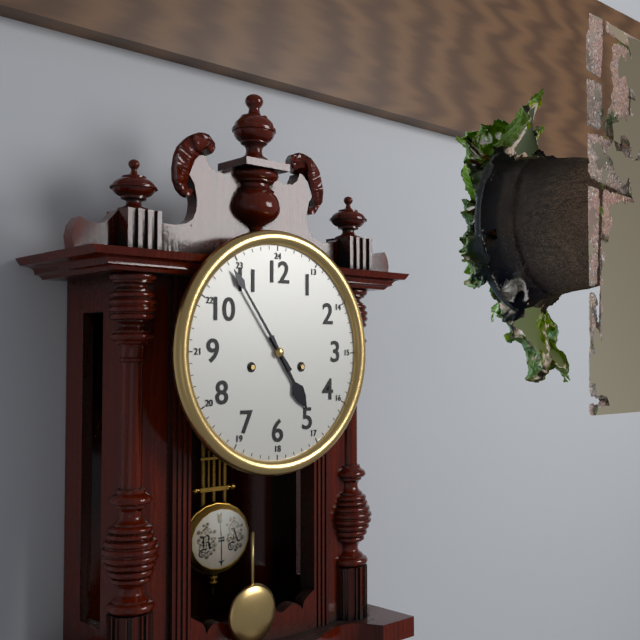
4h54
